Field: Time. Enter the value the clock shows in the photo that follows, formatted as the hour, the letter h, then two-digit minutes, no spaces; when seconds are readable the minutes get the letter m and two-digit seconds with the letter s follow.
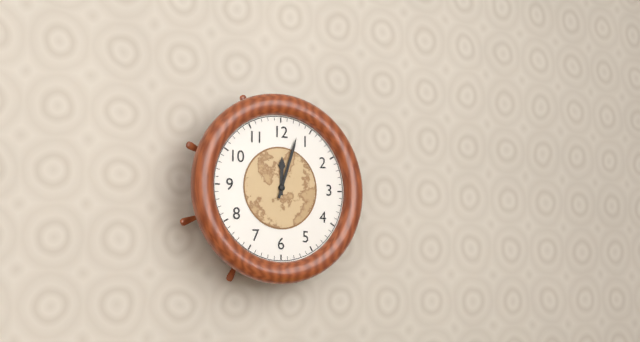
12h03
